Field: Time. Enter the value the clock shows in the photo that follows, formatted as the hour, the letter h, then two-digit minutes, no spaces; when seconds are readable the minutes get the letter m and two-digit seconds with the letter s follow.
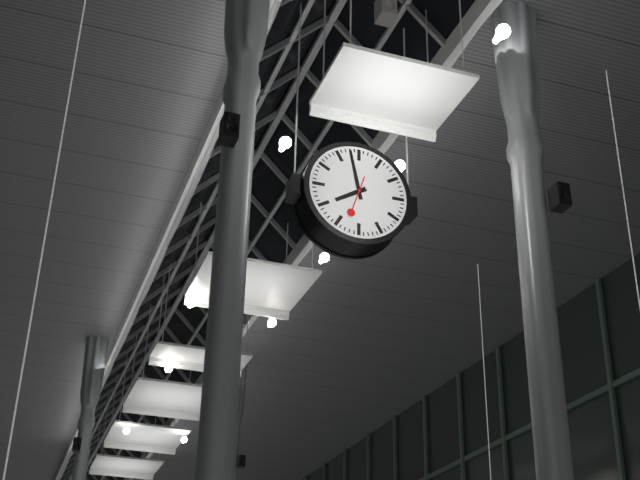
7h58
